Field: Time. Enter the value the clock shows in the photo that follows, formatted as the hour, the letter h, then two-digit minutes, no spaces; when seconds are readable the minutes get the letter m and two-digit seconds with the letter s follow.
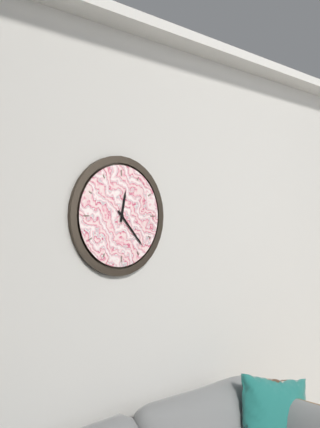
12h23
